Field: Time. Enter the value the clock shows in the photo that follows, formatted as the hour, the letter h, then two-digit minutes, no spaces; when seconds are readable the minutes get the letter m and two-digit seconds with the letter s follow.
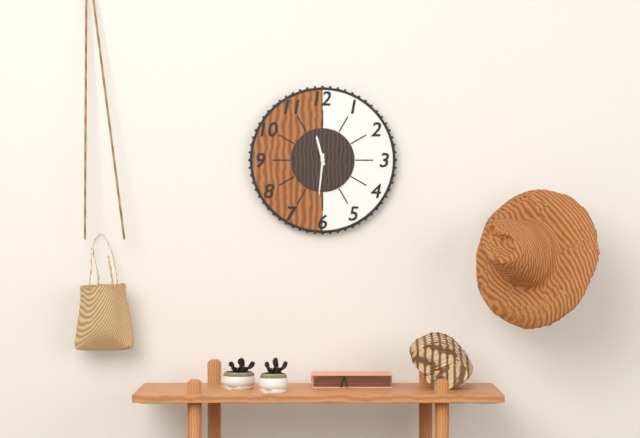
11h31
